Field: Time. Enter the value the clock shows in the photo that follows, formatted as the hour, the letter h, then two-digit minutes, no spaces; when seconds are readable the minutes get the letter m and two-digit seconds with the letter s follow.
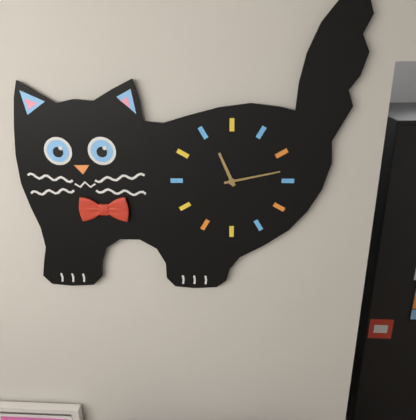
11h13
